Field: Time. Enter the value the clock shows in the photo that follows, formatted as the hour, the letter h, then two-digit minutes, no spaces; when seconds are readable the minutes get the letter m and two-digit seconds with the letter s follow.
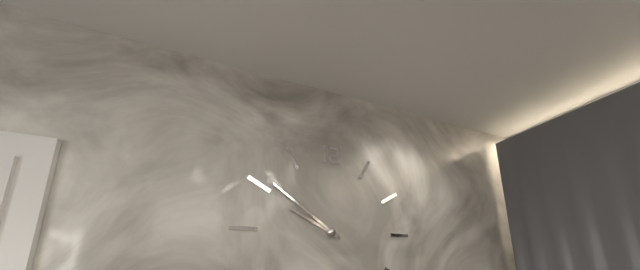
9h51
